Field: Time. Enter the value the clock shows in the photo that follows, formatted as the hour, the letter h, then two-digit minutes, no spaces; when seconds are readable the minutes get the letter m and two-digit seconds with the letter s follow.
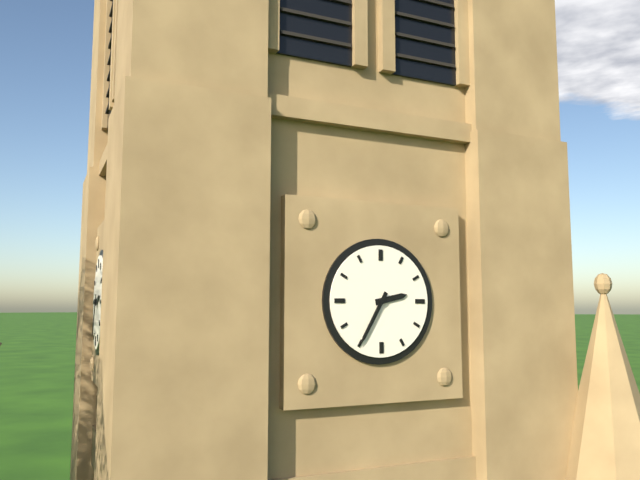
2h35
